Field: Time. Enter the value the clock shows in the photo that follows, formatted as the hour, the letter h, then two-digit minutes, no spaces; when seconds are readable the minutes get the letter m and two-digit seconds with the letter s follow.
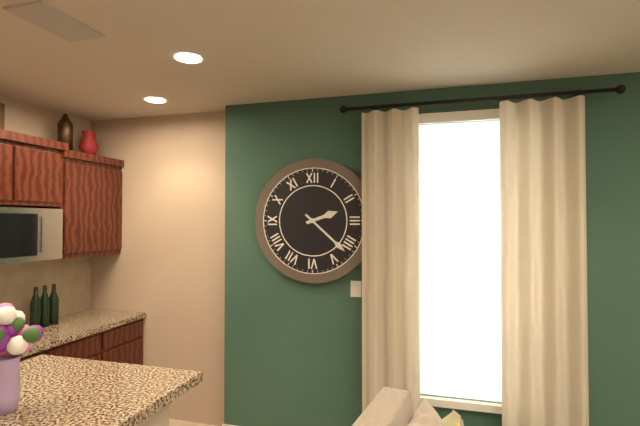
2h22
